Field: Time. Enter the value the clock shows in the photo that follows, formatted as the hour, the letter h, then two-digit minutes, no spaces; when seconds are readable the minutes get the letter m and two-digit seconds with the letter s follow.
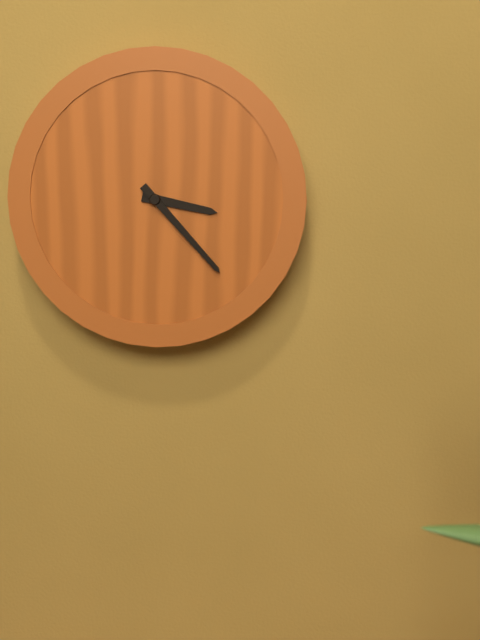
3h23
